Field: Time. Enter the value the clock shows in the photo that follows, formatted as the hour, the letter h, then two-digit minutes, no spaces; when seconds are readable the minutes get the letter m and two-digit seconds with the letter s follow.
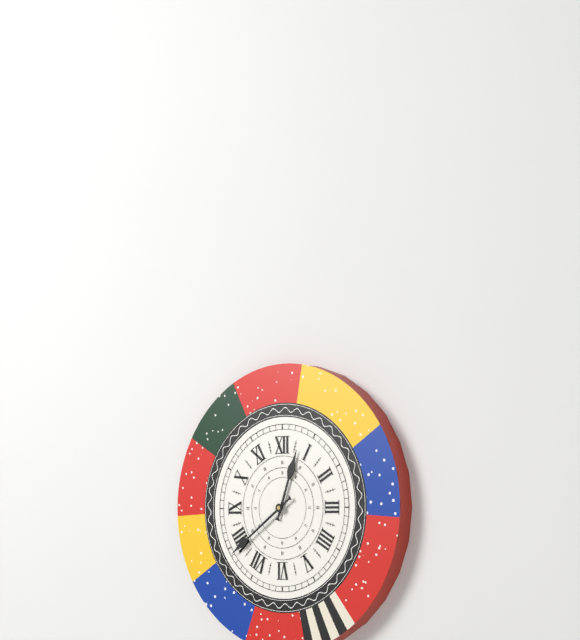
12h39
